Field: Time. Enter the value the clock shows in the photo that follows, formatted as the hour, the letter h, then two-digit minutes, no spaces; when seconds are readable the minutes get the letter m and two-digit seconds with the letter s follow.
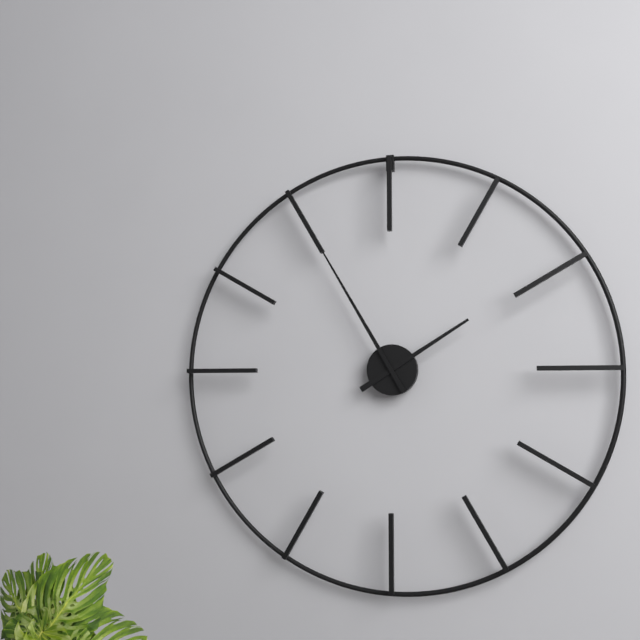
1h55
